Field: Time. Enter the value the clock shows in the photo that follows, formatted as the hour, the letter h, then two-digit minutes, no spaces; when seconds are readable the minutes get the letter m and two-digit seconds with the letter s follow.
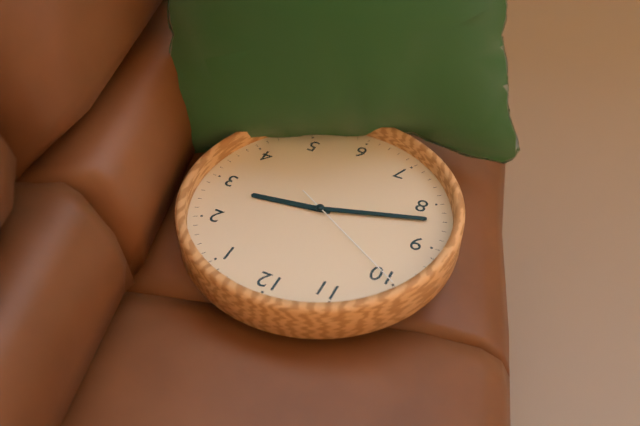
2h42m50s
